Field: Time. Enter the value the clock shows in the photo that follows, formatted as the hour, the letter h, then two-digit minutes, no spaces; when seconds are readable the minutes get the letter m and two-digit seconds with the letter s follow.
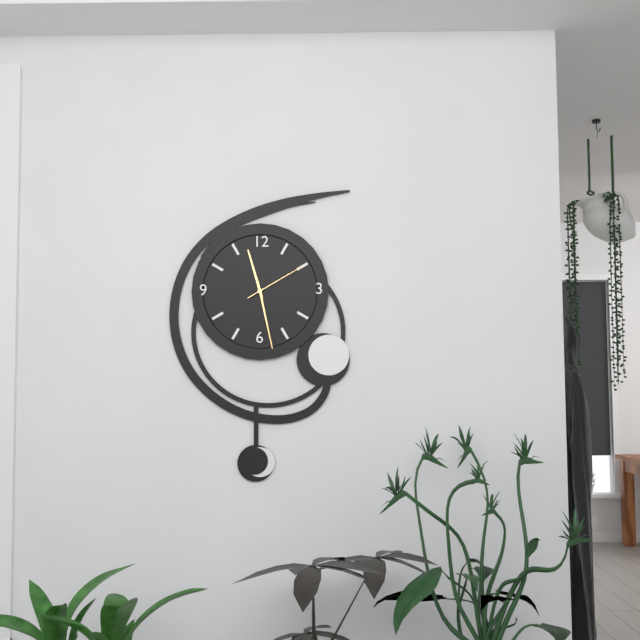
11h28m10s
